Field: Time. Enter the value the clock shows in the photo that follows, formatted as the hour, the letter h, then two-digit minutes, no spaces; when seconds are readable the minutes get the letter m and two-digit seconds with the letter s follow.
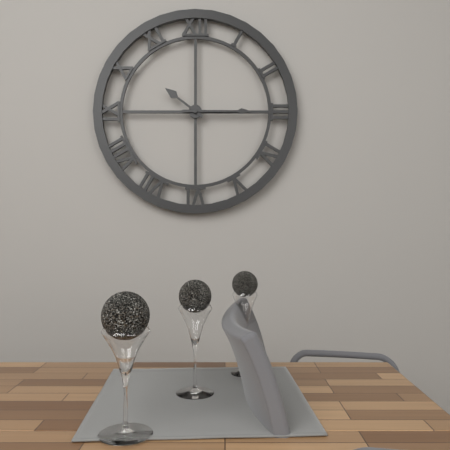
10h15
